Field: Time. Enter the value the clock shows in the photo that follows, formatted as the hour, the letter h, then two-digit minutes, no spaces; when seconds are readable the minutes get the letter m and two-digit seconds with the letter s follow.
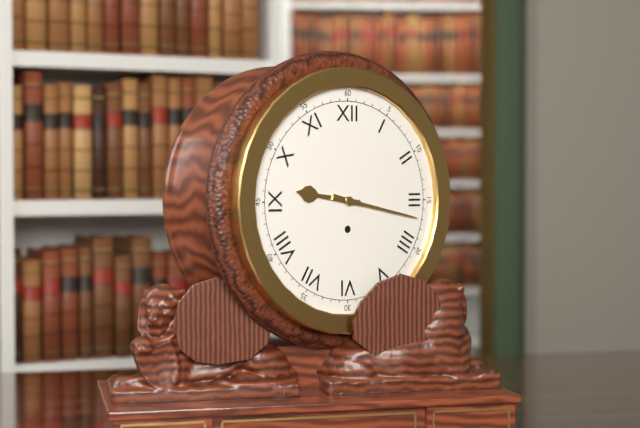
9h17
